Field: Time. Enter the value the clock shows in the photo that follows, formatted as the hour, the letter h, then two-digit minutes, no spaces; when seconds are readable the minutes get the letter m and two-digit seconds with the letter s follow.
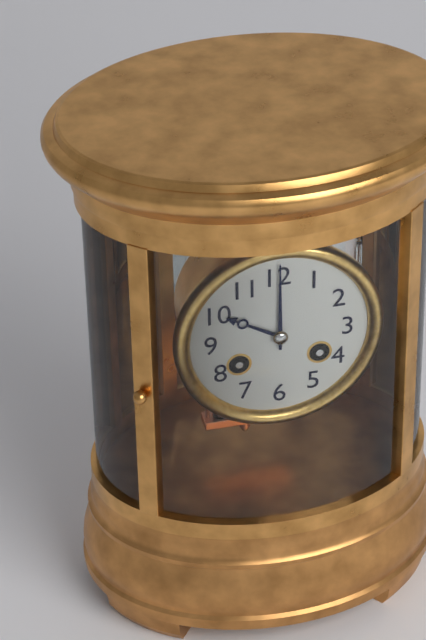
10h00
